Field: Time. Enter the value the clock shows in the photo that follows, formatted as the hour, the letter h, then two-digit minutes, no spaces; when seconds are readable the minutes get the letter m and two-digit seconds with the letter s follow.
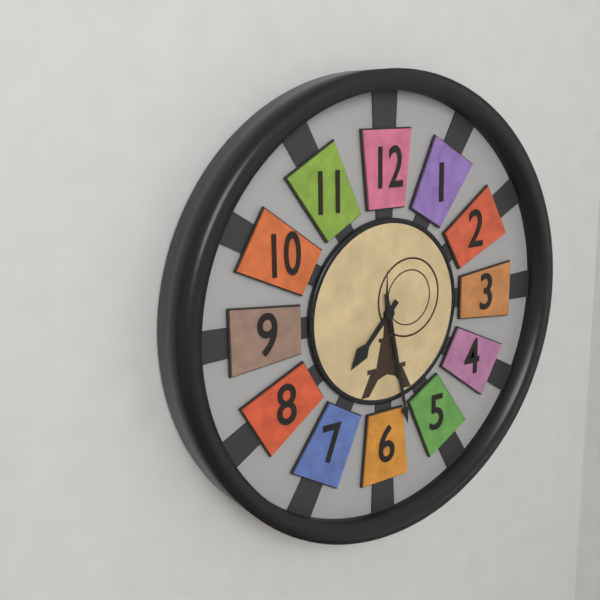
7h28
